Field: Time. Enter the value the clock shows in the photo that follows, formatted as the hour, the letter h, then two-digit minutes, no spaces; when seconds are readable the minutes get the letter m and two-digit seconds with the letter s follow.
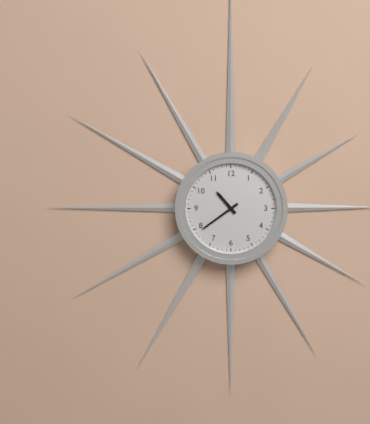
10h39
